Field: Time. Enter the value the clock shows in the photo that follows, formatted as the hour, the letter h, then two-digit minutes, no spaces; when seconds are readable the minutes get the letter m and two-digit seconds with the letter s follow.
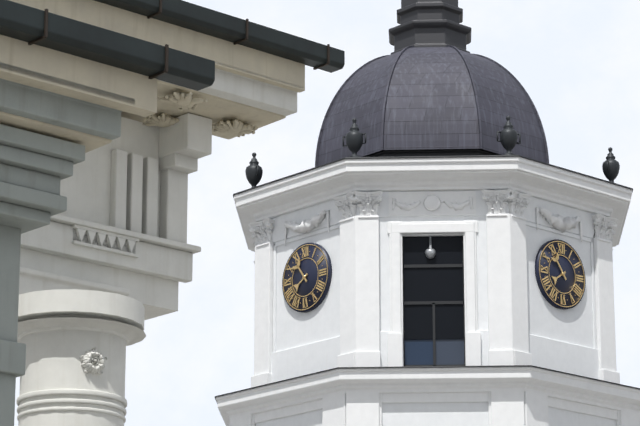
7h54
